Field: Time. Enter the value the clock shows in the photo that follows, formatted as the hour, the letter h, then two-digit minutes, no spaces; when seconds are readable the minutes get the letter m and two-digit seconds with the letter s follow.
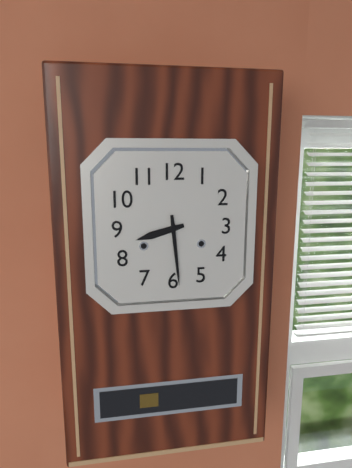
8h29
